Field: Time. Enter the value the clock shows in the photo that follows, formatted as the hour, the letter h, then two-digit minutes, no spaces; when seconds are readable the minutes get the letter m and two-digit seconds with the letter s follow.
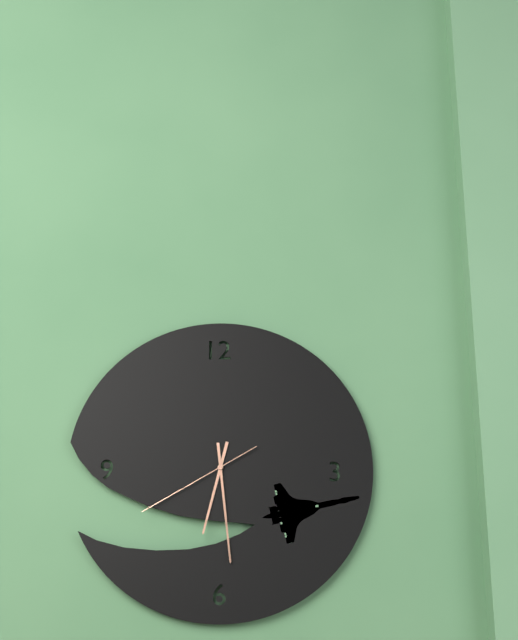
6h29m40s
